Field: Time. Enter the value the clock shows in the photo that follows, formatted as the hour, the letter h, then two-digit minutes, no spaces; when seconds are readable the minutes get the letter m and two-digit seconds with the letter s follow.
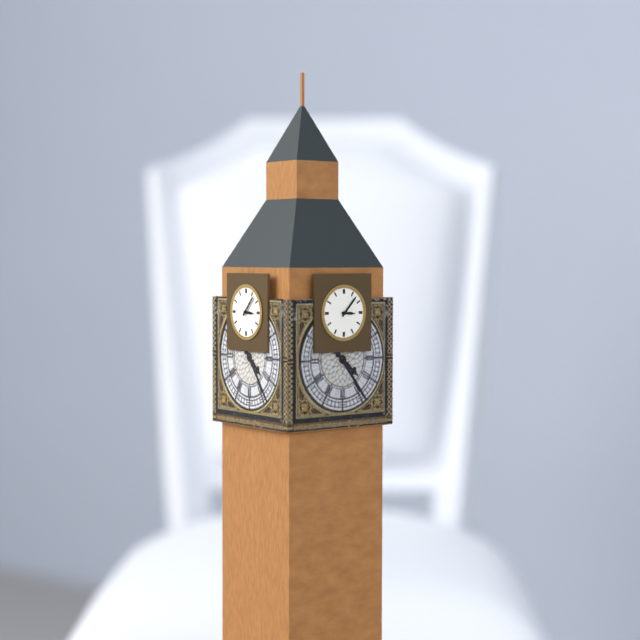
3h07
